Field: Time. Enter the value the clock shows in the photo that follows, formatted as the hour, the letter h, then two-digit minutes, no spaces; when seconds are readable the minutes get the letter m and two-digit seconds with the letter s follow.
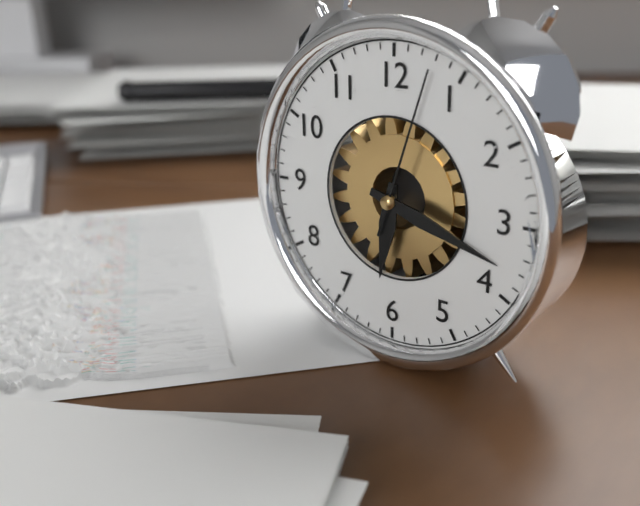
6h18m03s
